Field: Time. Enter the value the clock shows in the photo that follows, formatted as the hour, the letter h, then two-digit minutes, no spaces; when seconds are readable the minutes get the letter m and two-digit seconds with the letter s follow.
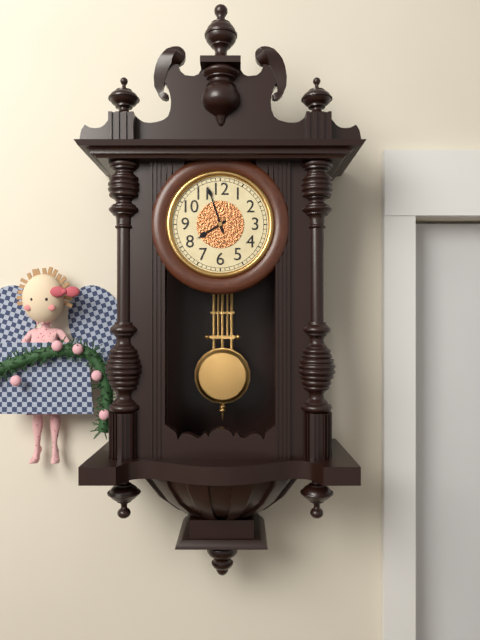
7h57
